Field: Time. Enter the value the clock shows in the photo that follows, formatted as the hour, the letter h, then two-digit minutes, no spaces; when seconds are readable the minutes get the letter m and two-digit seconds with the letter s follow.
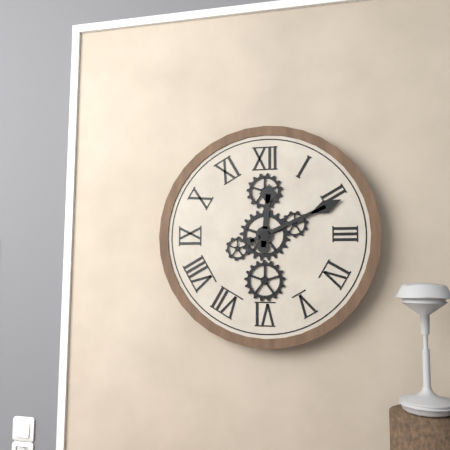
12h11
